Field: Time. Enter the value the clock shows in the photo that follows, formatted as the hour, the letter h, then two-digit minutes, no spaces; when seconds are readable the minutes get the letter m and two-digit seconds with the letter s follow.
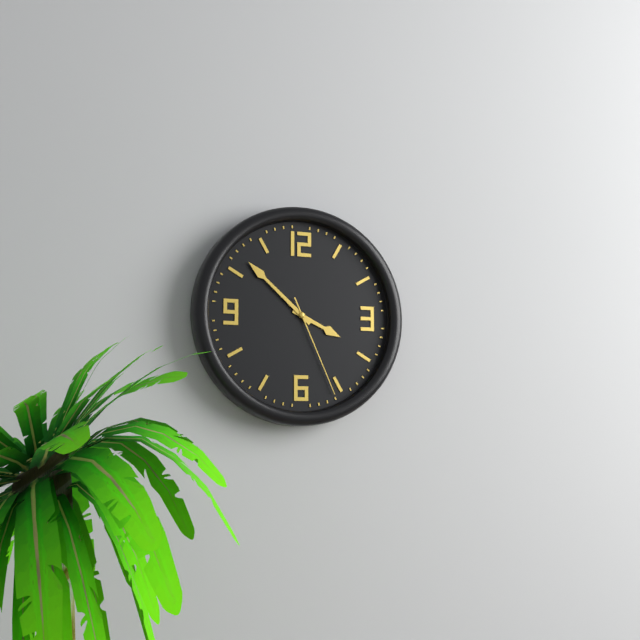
3h52m26s
